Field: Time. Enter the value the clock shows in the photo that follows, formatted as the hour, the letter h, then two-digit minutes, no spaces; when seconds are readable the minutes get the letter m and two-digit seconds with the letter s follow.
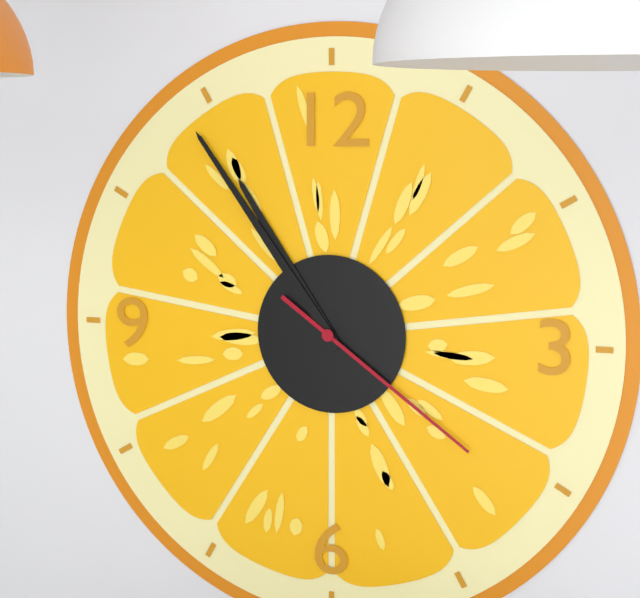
10h54m21s
